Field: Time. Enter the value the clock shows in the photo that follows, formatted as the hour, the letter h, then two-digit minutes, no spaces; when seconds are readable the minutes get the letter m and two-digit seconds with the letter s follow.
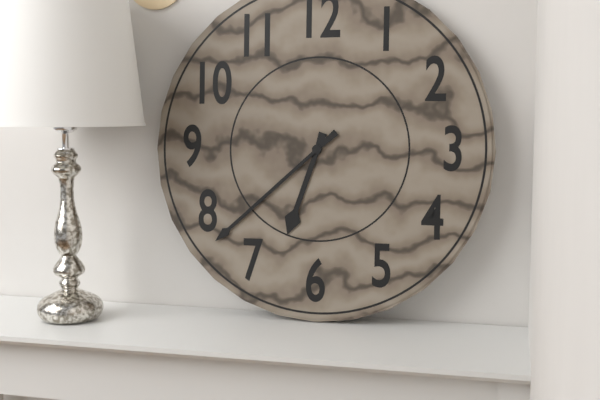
6h38
